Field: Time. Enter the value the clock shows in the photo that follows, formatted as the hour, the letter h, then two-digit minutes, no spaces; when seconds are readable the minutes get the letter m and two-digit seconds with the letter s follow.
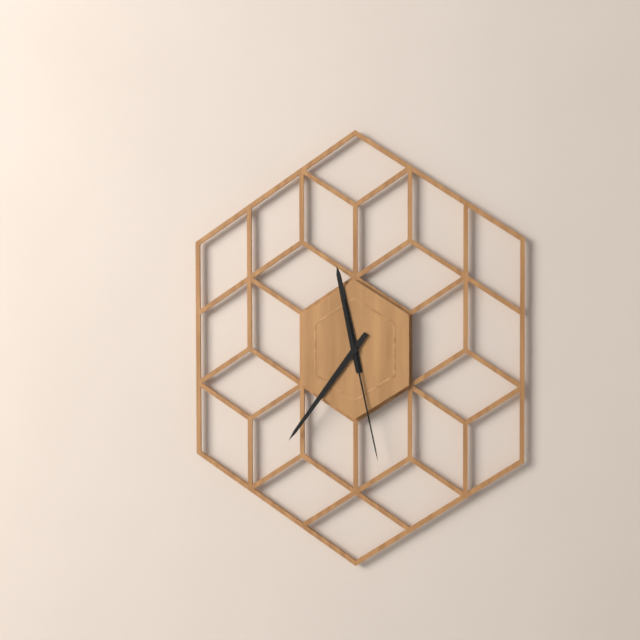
11h36m28s
